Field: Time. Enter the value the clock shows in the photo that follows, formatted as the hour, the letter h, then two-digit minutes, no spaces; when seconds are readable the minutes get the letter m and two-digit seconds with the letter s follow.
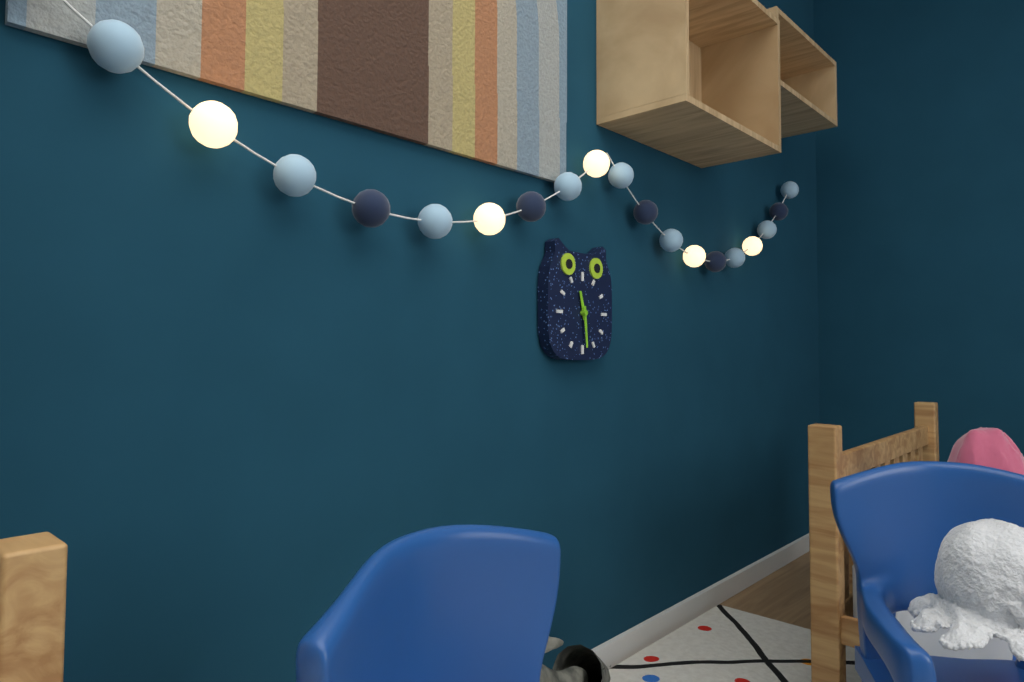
11h29
